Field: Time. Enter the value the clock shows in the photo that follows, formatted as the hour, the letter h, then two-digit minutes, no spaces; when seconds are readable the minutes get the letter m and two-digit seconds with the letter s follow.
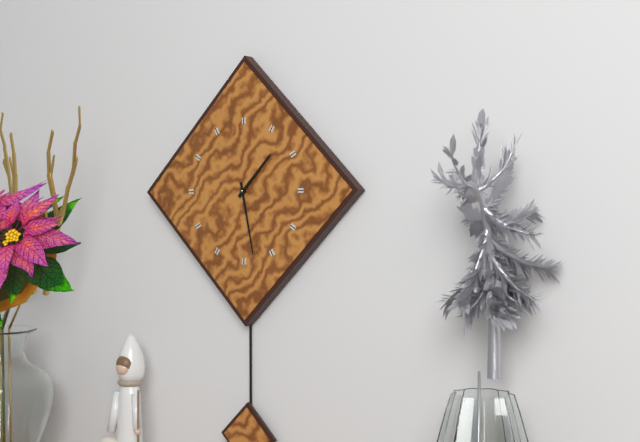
1h28
